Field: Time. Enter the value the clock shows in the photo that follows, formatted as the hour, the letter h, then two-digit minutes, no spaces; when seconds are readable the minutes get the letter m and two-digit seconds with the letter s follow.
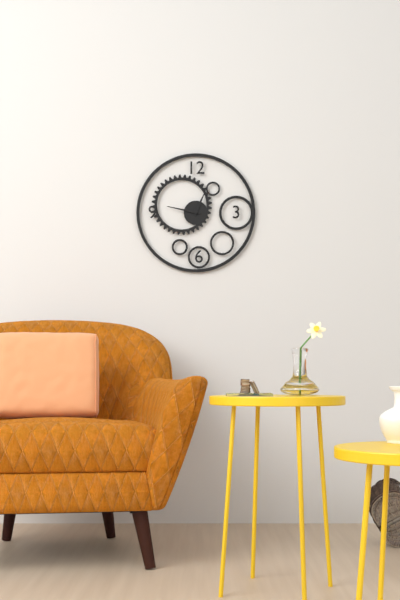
12h47
